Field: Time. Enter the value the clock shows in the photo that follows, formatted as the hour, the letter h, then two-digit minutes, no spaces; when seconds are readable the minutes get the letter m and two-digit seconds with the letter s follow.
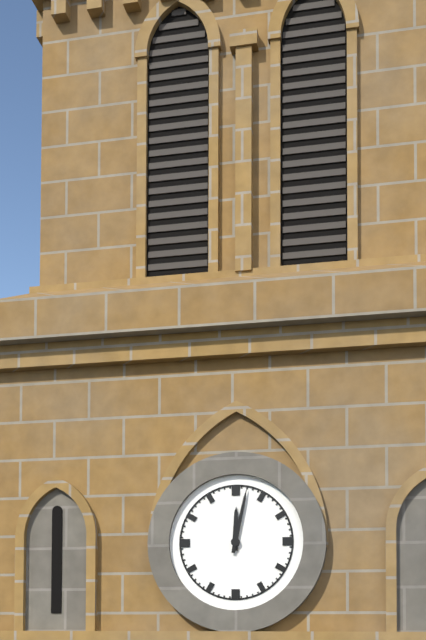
12h02
